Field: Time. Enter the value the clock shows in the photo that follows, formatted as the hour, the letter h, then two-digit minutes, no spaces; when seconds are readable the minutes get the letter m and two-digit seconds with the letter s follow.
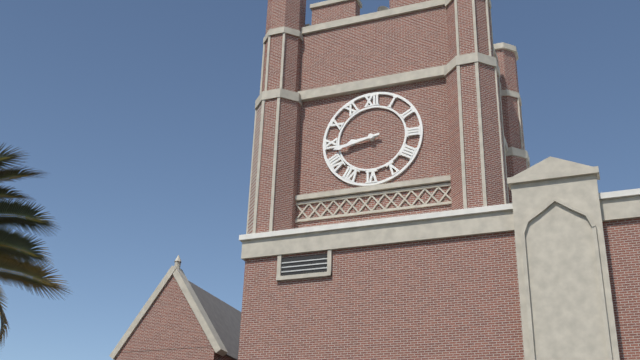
8h43
